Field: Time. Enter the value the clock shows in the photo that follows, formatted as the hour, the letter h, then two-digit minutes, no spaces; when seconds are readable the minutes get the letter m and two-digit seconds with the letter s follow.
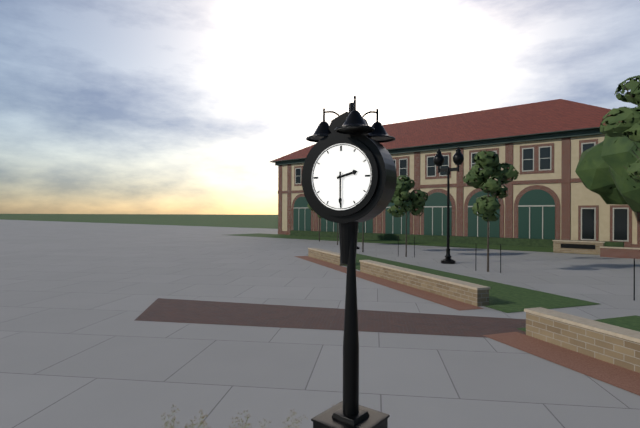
2h30
